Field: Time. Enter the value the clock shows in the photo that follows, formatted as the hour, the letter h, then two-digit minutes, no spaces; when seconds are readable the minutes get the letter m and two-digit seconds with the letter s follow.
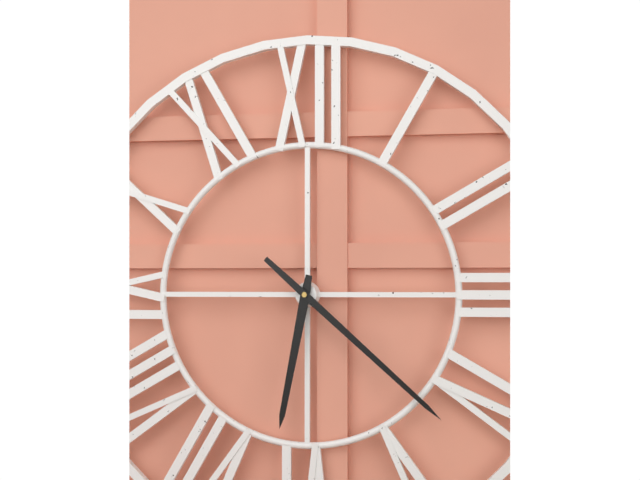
6h22
